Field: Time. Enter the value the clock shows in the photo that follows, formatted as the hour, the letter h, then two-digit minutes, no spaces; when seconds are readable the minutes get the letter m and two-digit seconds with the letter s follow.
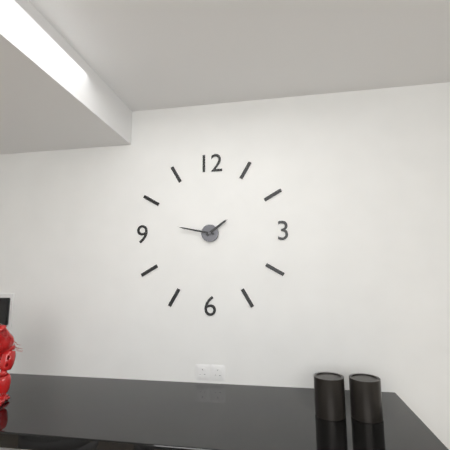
1h47
